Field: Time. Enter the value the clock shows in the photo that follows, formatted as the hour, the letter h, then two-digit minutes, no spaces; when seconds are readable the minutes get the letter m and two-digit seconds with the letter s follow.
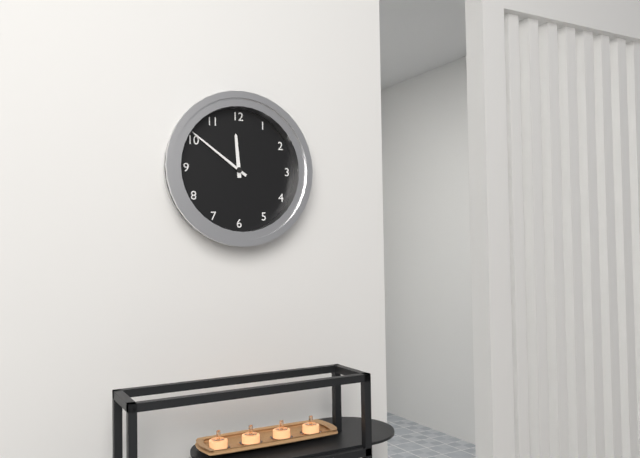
11h51
